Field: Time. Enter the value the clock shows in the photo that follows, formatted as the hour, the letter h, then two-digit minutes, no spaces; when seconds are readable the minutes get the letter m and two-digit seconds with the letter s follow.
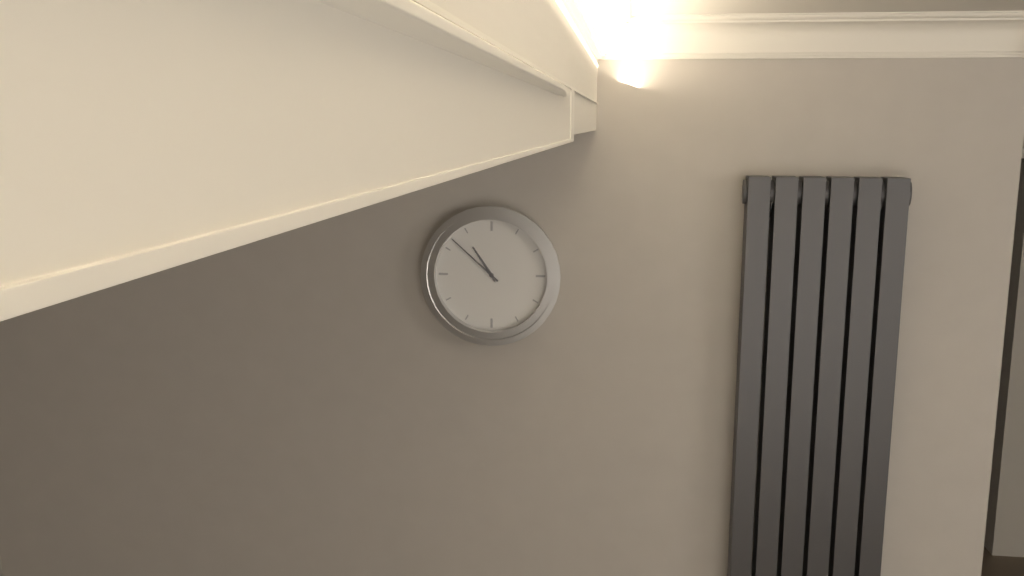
10h52
